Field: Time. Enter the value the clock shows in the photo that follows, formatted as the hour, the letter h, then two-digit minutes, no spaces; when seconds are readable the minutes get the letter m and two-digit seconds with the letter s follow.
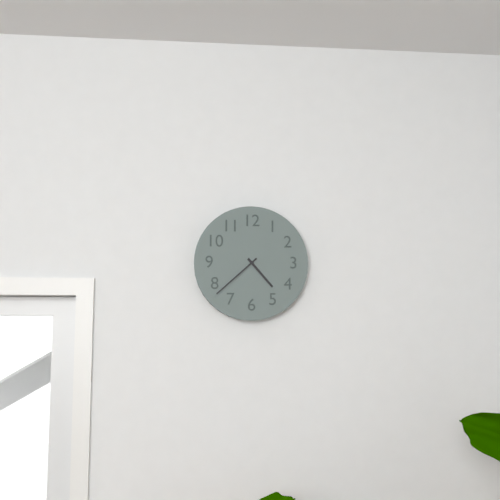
4h38
